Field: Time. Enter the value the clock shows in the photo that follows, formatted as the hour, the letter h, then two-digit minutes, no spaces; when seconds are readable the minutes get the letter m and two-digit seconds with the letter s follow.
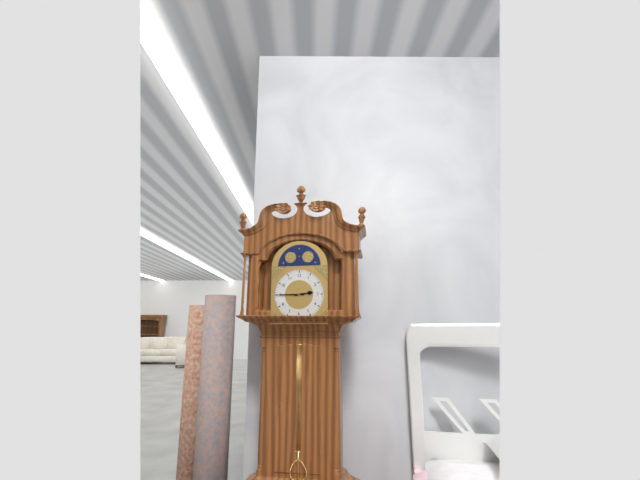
2h45
